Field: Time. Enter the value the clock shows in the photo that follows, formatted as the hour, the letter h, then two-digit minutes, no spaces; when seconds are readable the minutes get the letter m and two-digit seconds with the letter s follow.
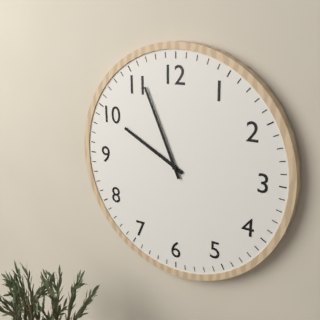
9h56
